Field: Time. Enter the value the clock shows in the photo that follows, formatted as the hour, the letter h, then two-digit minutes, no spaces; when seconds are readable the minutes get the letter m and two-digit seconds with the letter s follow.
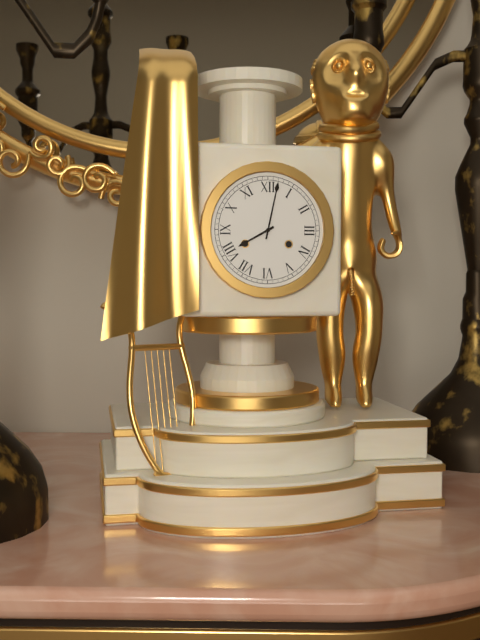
8h02
